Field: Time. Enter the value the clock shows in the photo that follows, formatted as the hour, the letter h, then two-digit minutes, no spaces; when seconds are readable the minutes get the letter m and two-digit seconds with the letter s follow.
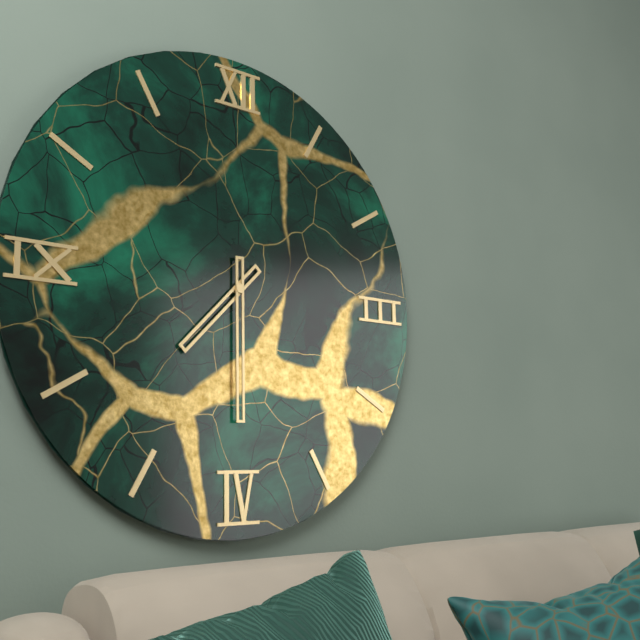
7h30
